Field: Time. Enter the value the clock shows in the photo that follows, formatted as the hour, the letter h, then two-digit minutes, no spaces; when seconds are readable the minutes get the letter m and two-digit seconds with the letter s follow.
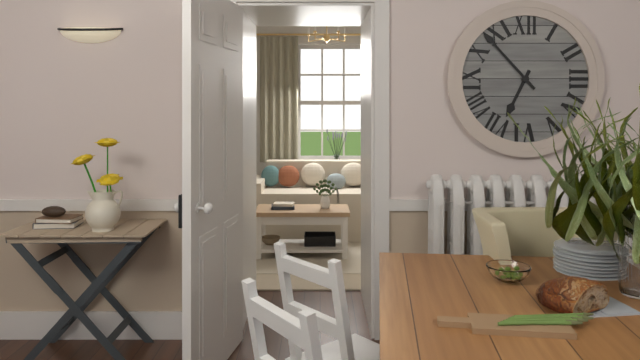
6h53
